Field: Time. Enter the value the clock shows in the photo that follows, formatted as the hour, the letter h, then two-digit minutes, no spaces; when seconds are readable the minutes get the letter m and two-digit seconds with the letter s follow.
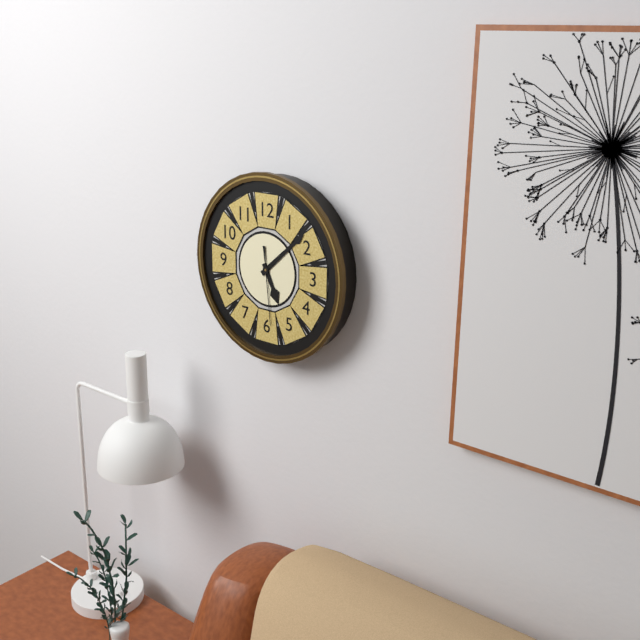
5h08m29s
